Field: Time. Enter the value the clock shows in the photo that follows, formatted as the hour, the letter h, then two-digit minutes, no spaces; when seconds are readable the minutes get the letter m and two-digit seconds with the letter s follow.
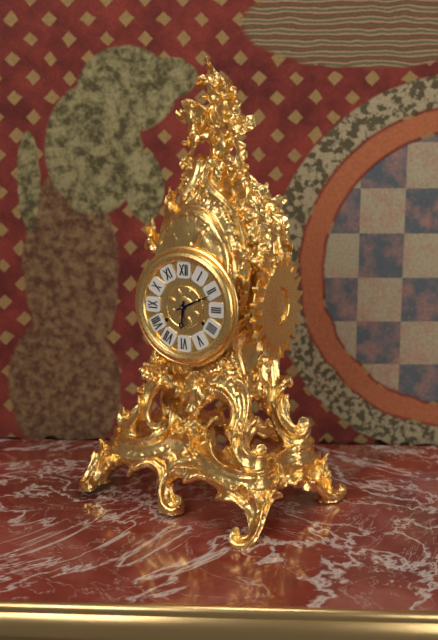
6h11
